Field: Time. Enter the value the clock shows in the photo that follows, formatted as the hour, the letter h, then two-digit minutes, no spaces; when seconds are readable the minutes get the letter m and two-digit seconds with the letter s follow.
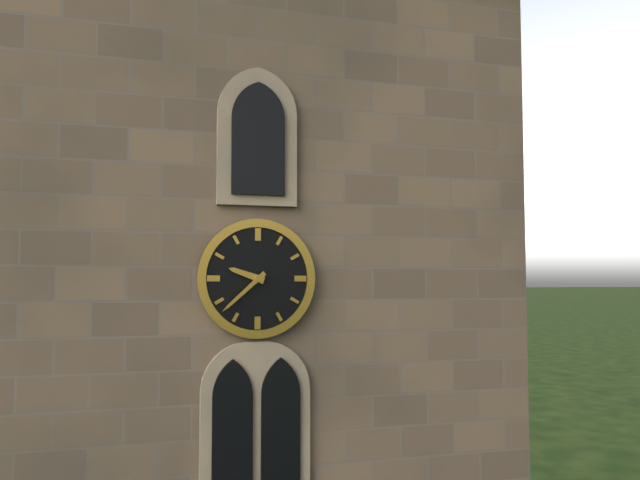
9h38
